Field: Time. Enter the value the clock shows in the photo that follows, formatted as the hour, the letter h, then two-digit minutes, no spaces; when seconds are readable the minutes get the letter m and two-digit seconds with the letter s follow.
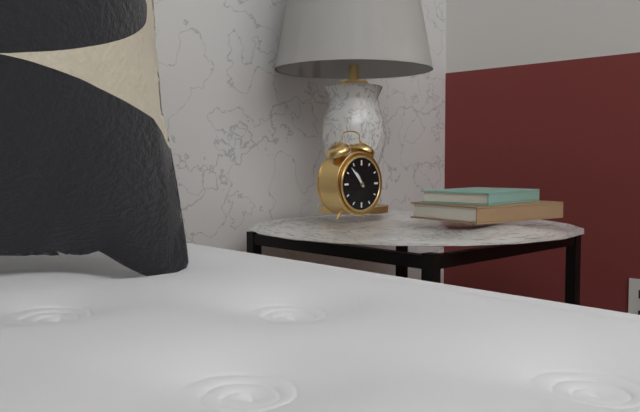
10h53
